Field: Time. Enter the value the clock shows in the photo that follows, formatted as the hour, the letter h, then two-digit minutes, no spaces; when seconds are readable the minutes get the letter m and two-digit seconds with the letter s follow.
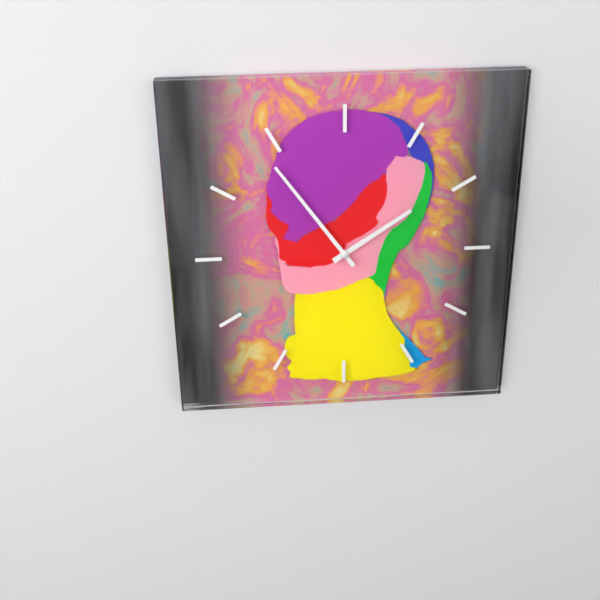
1h54
